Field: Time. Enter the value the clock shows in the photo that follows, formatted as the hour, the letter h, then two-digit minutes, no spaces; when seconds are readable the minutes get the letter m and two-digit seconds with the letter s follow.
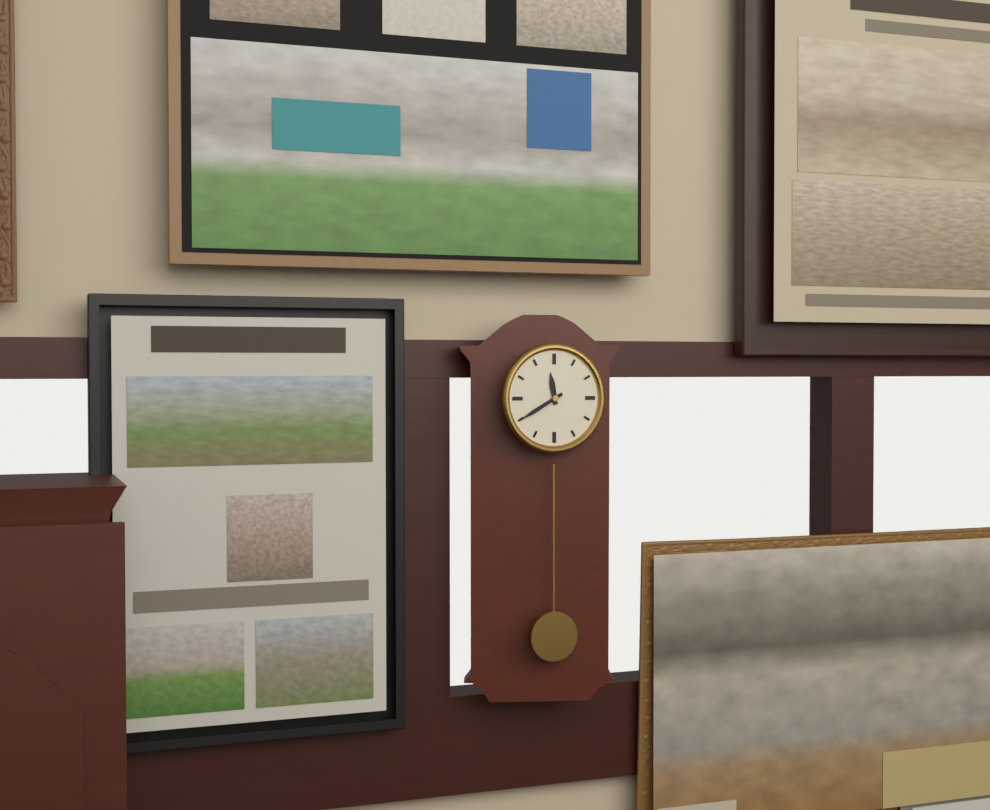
11h40
